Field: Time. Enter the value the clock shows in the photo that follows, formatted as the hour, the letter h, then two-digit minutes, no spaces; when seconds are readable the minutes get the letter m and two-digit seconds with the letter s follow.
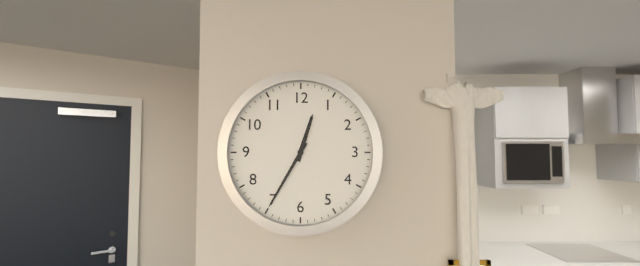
12h35
